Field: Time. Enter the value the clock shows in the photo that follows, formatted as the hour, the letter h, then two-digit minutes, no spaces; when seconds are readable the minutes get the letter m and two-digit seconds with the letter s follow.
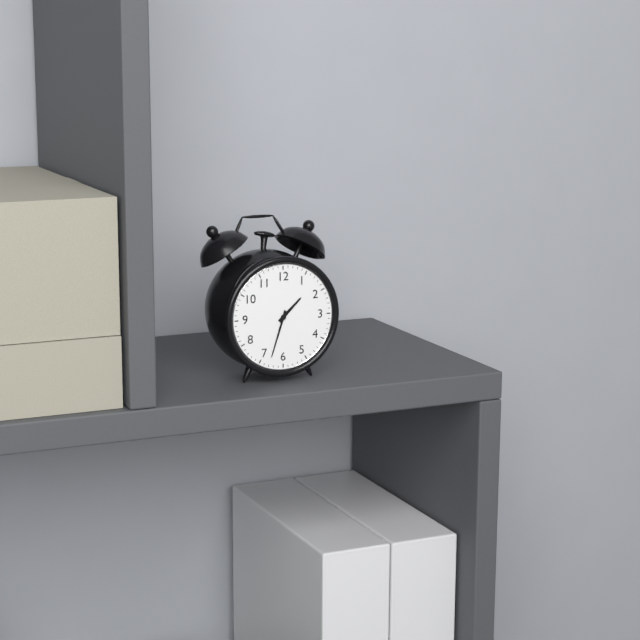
1h33
